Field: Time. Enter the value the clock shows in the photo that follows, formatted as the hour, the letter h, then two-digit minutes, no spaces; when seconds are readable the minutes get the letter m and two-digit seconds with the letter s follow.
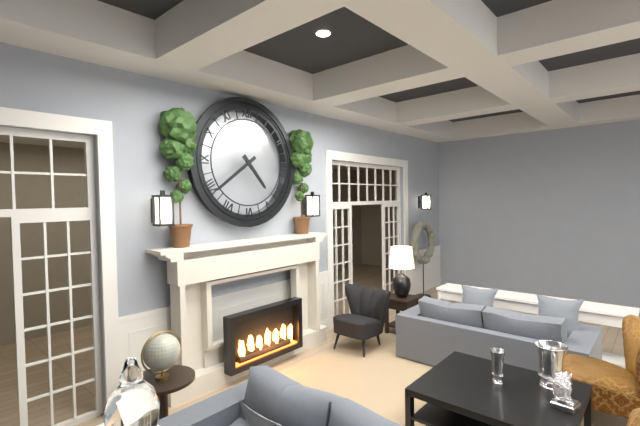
4h39
